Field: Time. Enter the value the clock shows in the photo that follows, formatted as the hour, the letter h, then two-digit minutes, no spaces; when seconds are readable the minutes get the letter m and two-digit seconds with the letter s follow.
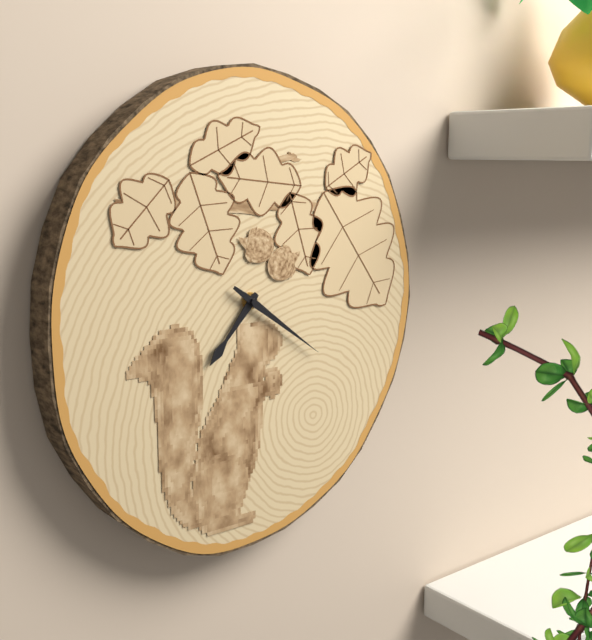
7h21
